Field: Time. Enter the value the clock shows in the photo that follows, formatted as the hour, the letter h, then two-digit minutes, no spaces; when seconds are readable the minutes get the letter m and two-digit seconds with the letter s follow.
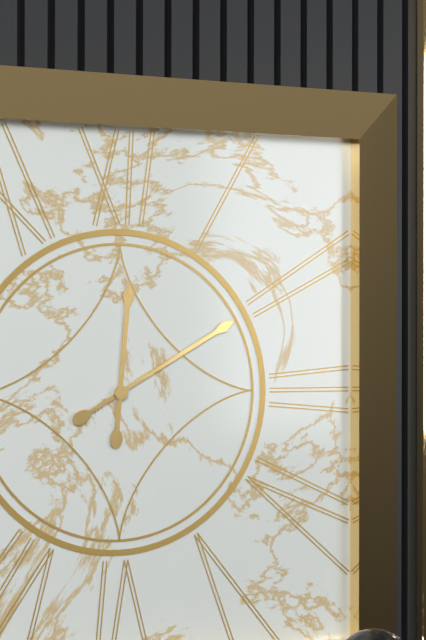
12h10
